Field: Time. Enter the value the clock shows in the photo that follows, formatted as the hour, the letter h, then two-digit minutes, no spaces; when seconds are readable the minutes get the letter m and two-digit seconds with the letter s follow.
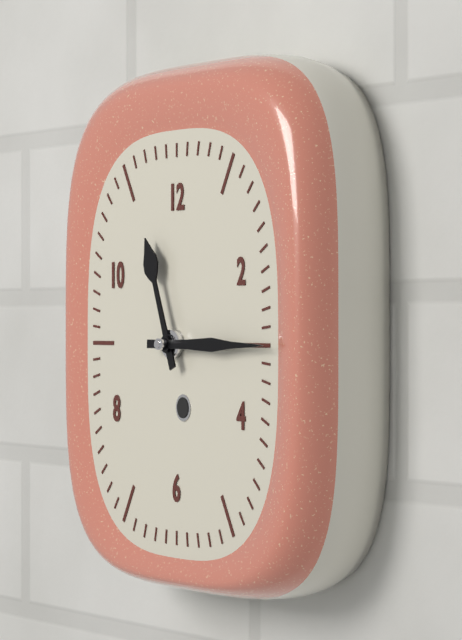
11h15
